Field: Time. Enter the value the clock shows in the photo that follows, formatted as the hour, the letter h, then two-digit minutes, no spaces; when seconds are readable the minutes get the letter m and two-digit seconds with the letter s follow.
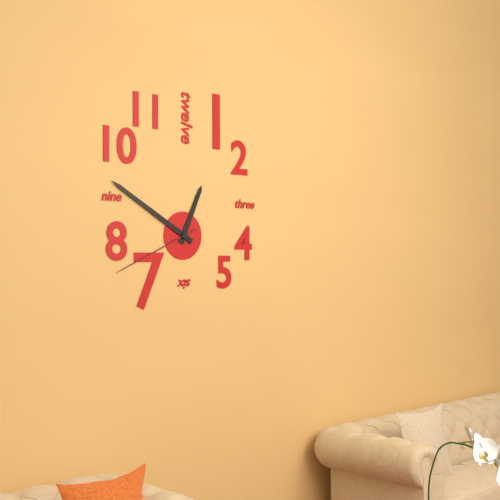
12h50m41s
